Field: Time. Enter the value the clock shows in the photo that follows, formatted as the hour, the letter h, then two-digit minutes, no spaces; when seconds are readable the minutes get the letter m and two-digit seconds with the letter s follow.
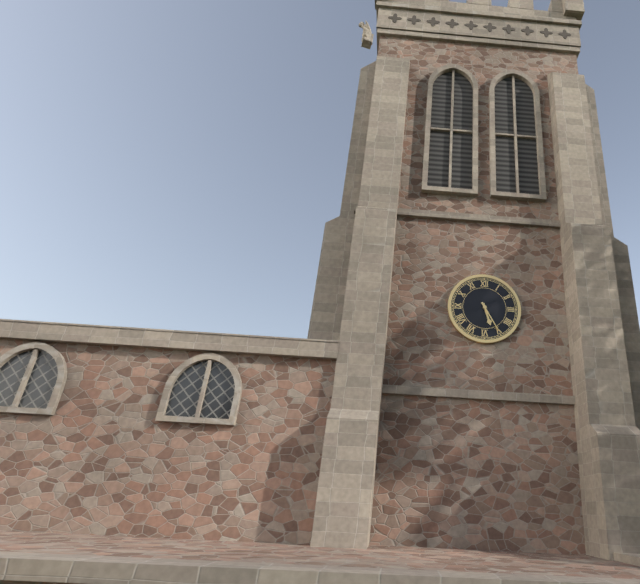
5h25
